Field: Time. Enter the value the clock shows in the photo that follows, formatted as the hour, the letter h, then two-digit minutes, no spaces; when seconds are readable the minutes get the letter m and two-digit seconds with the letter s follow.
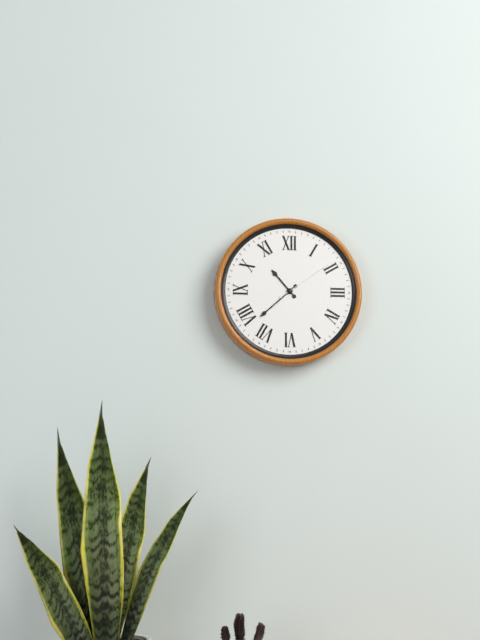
10h38m09s
